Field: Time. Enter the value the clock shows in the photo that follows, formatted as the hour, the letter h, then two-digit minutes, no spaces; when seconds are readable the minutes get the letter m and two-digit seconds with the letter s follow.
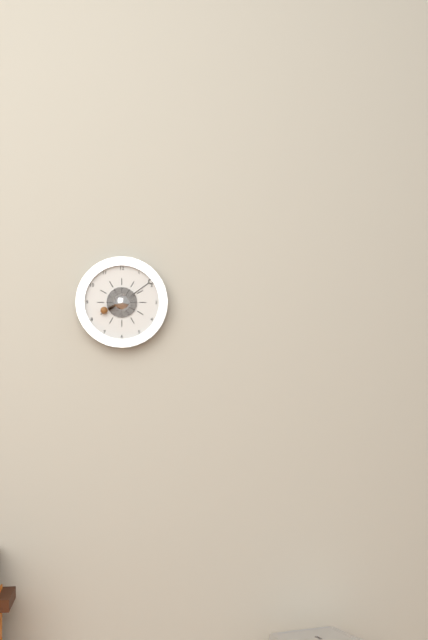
8h09
